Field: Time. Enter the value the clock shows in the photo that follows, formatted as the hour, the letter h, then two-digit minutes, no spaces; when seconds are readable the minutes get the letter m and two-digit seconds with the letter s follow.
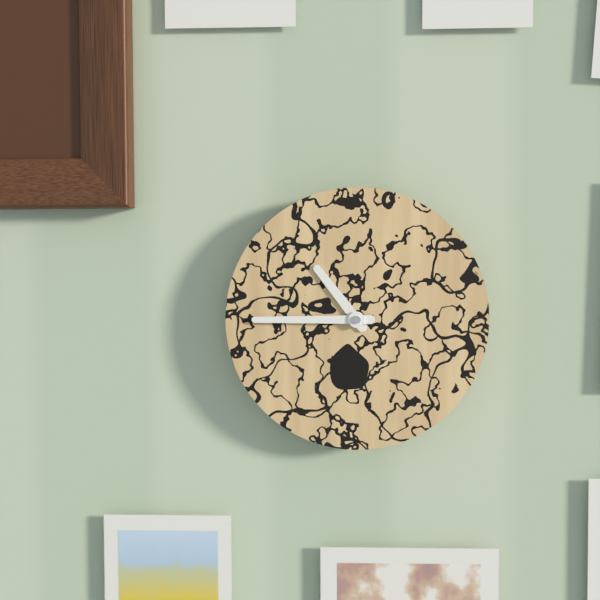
10h45
